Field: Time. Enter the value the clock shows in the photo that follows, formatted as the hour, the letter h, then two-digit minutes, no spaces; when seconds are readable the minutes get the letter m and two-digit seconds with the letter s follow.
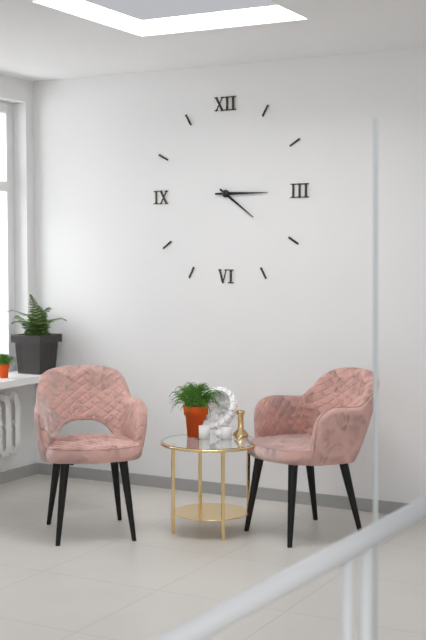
4h15
